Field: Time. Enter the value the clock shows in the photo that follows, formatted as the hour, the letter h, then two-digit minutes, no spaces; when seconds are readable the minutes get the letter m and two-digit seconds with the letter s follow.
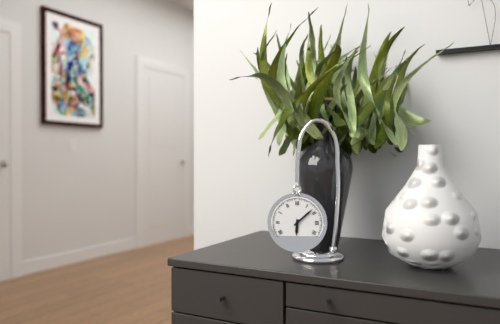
6h08
